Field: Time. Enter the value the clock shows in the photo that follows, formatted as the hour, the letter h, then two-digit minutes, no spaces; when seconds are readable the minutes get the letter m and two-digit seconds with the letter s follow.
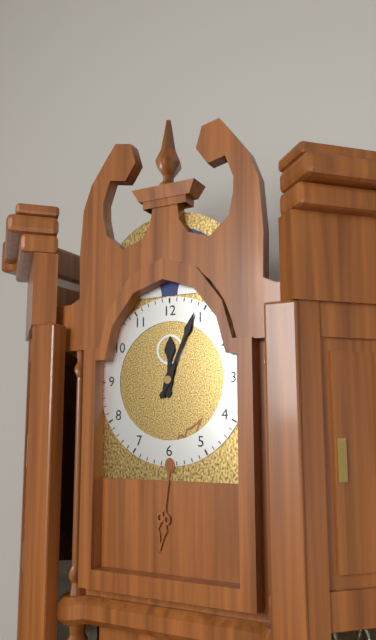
12h04
